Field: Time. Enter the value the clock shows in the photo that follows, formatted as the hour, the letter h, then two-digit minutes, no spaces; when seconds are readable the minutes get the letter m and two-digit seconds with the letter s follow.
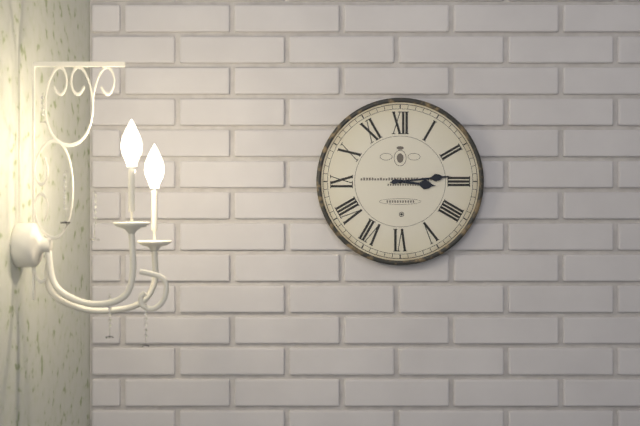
3h14
